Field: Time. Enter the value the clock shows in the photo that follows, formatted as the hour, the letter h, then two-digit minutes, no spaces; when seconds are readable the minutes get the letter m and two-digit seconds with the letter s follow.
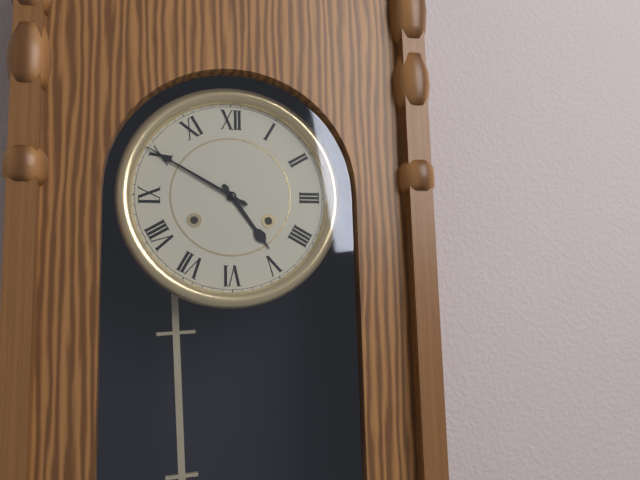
4h50
